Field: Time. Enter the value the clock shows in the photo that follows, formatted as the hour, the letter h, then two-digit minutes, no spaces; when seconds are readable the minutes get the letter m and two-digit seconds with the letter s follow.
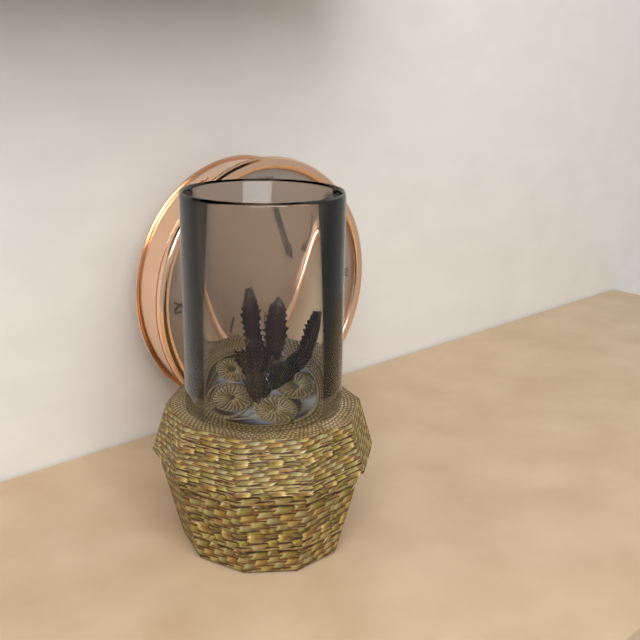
2h26
